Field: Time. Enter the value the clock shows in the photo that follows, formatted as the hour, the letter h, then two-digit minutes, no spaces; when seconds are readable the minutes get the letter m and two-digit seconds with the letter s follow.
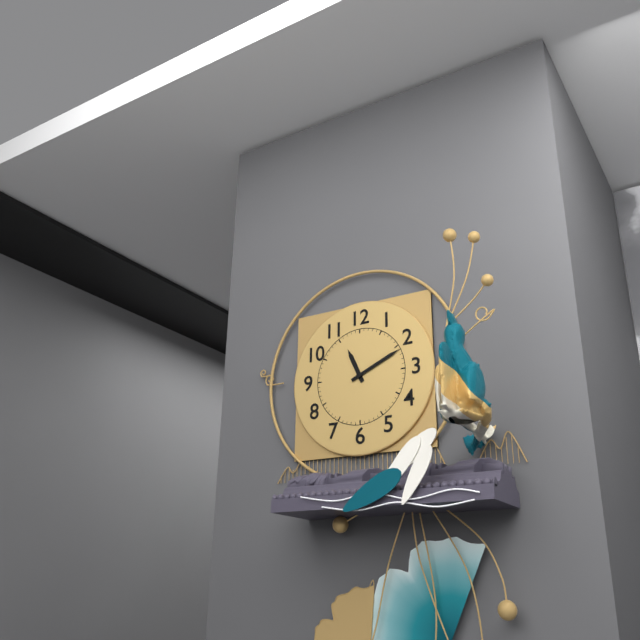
11h11
